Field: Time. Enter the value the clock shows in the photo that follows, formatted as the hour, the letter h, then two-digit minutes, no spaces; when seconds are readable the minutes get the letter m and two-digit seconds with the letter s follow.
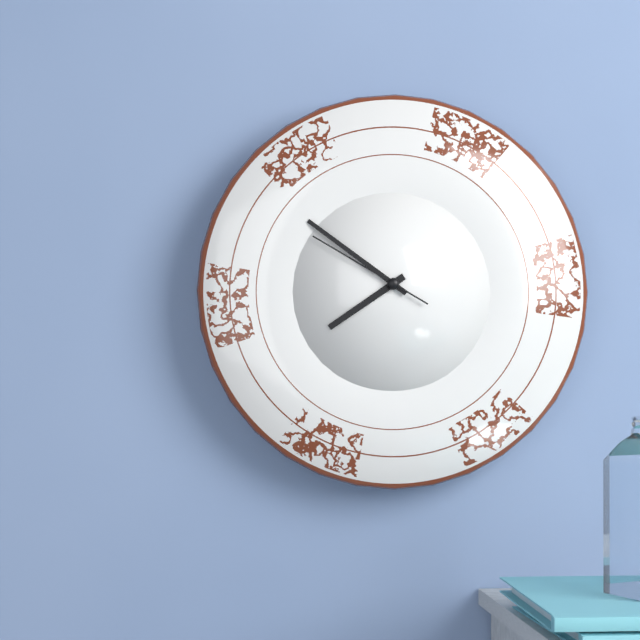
7h51m50s
